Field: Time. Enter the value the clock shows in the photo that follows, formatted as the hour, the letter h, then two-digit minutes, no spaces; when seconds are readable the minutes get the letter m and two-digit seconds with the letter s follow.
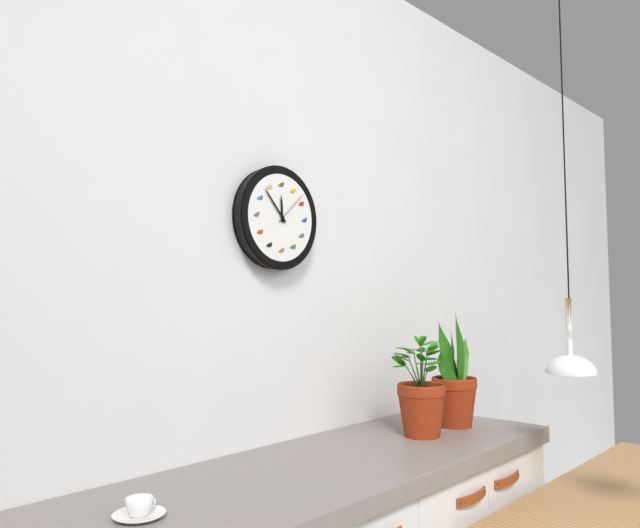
11h53
